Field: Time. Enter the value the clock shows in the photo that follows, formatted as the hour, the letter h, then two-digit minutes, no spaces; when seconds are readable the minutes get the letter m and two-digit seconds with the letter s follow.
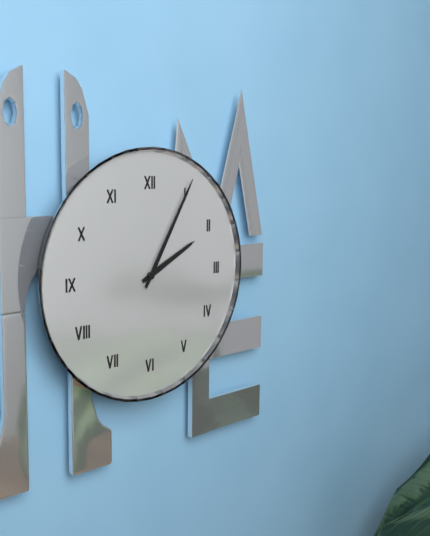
2h05
